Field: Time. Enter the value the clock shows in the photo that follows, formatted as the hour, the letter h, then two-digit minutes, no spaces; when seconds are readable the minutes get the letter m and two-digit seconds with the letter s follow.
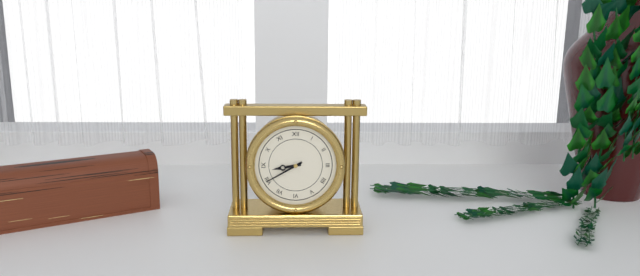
8h40
